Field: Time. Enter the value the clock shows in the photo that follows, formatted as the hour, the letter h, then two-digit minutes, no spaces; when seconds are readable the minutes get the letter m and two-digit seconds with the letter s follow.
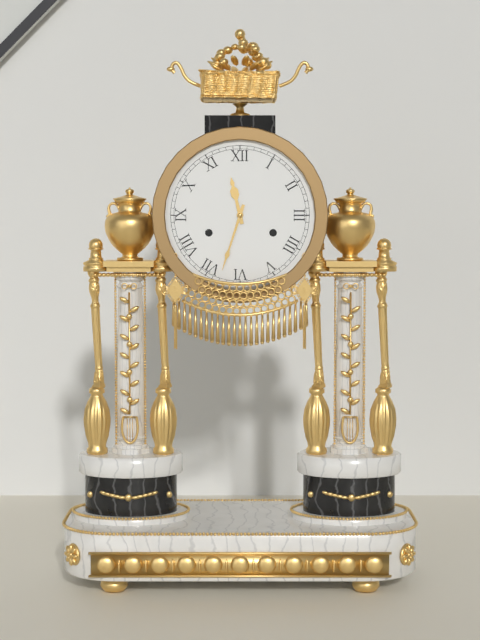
11h33
